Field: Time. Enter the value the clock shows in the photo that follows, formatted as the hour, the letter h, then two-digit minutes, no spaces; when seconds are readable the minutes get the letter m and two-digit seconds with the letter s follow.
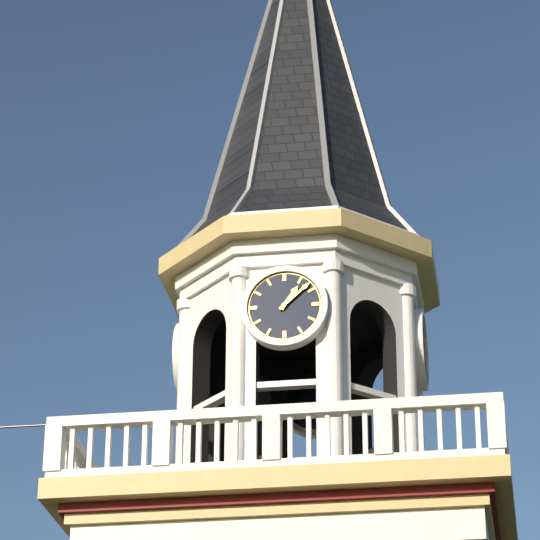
1h08
